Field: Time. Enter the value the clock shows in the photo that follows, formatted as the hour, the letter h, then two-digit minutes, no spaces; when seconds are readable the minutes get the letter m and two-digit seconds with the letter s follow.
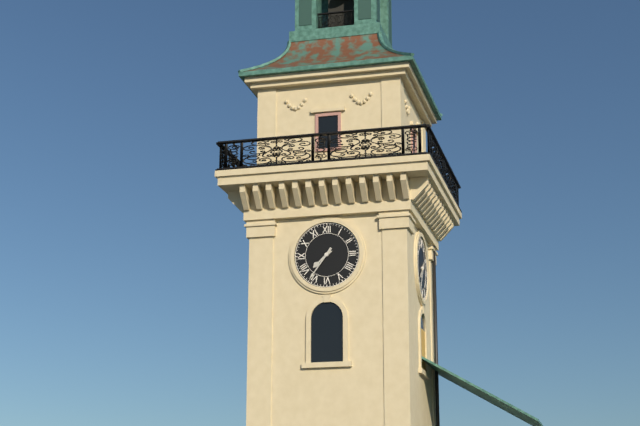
7h36
